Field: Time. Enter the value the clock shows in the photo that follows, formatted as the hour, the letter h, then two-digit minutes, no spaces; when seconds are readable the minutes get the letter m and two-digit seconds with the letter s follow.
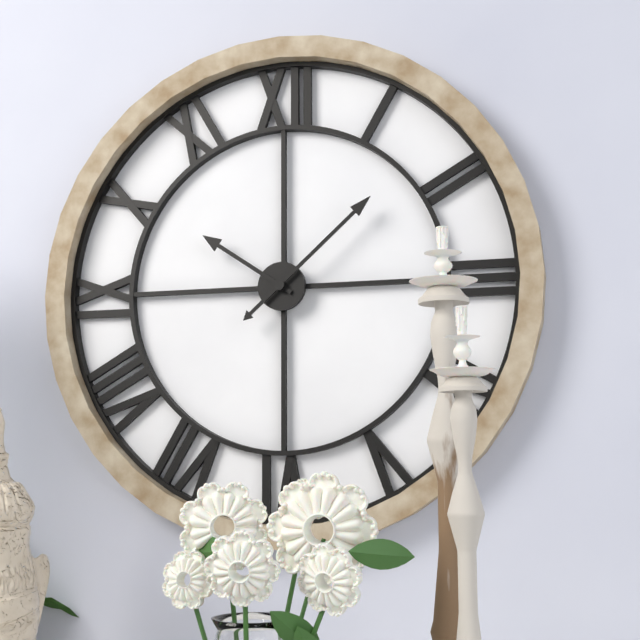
10h08
